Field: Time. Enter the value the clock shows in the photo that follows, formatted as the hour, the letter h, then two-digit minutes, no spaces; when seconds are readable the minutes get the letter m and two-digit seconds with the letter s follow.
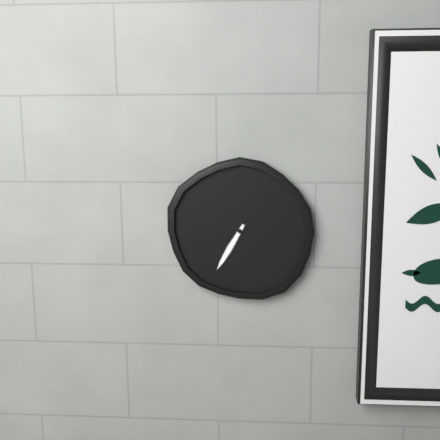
1h35
